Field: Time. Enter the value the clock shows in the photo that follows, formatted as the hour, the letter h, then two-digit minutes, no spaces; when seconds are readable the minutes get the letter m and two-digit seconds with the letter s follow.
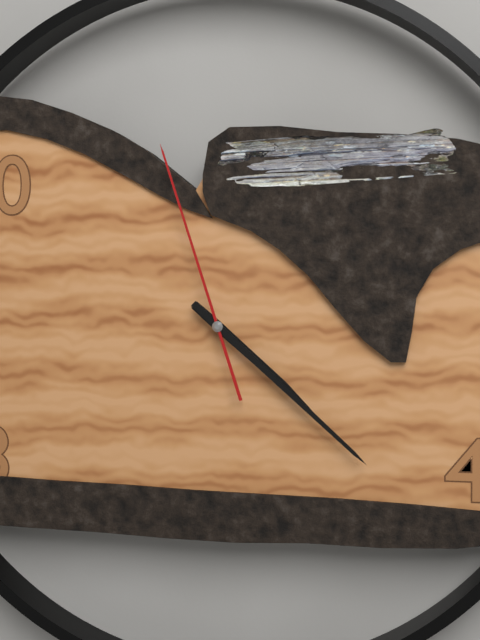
4h22m57s
